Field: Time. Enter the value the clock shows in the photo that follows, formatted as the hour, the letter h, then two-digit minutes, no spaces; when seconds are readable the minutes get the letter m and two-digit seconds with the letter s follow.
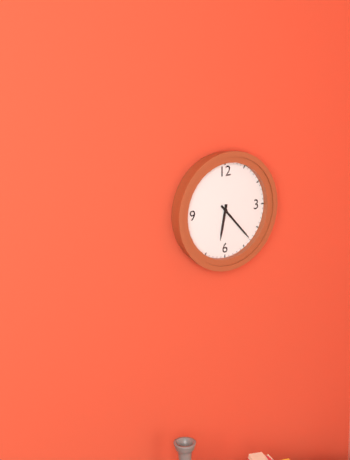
6h23
